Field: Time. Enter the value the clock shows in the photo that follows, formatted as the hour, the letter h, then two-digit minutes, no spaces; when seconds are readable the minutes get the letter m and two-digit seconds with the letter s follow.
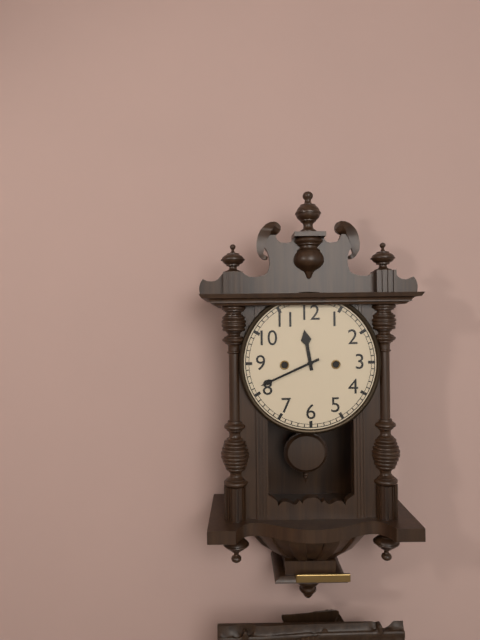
11h41
